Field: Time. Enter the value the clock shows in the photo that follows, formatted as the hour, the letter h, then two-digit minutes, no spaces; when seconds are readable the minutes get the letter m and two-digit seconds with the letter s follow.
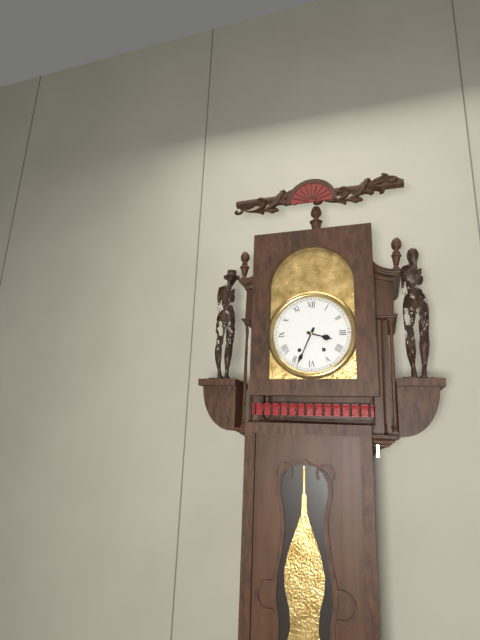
3h34
